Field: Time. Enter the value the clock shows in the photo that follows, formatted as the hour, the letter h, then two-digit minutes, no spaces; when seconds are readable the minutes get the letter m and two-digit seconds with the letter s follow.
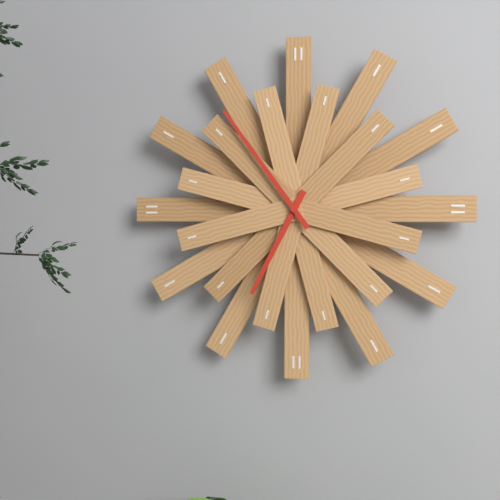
6h54
